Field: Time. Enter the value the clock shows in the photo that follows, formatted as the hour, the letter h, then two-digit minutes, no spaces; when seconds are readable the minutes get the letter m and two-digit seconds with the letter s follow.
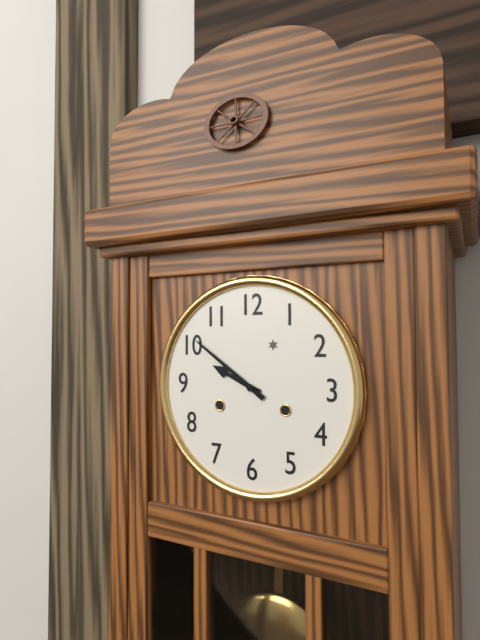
9h51
